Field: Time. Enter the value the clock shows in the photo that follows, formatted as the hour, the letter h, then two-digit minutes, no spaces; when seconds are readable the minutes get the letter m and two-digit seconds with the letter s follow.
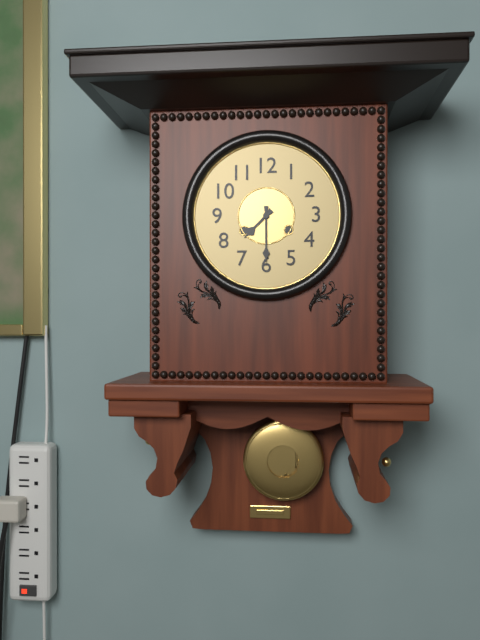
7h30
